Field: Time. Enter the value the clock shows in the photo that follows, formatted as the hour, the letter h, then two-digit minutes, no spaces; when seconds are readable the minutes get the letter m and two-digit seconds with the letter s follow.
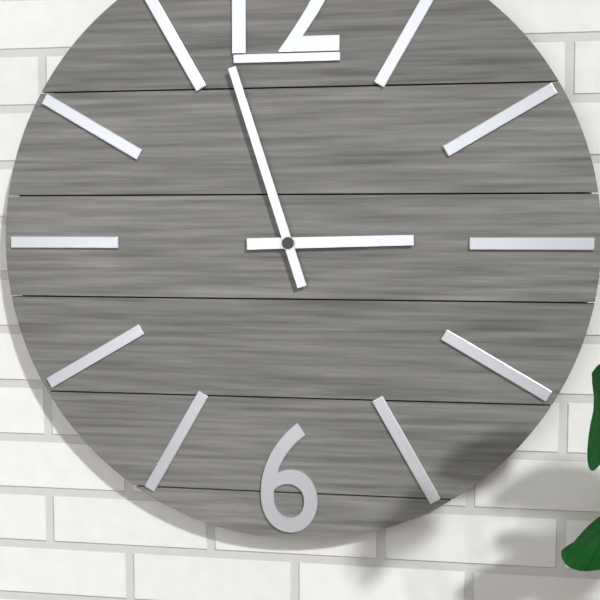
2h57
